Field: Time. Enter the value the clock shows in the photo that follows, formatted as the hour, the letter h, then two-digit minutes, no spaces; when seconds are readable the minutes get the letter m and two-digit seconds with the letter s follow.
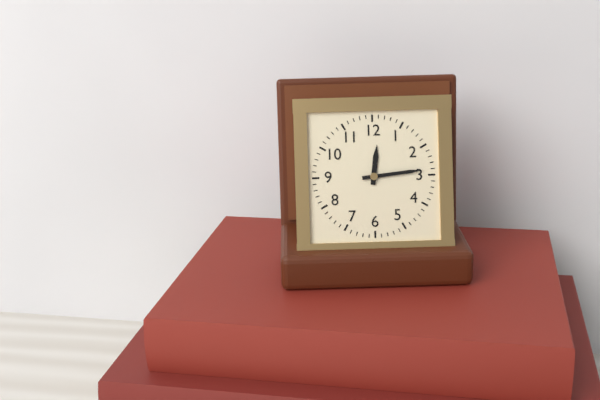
12h14
